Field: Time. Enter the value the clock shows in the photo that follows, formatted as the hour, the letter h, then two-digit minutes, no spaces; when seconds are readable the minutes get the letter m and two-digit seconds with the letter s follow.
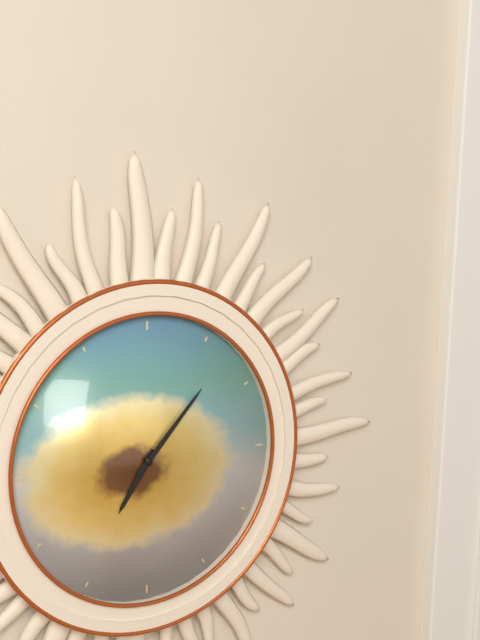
7h07
